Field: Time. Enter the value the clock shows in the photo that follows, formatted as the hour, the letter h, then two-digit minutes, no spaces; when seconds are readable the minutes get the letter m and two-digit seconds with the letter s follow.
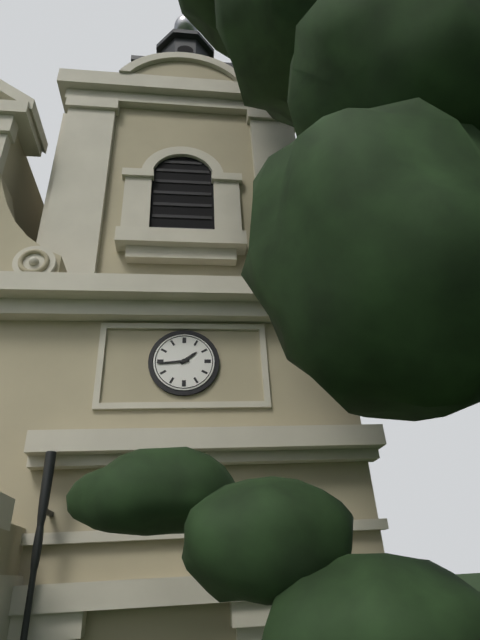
1h44
